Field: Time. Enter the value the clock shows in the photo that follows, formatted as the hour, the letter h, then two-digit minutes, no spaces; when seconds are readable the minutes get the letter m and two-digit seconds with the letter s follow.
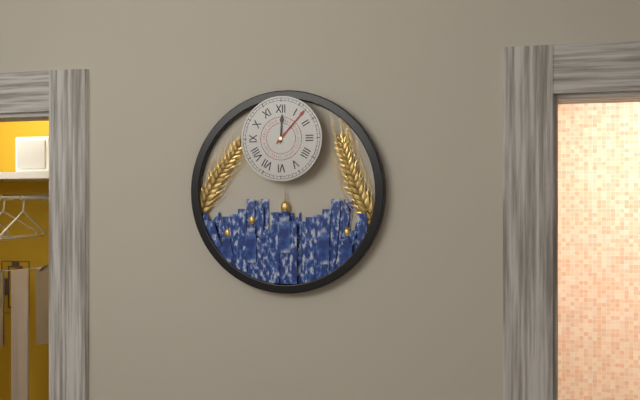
12h07
